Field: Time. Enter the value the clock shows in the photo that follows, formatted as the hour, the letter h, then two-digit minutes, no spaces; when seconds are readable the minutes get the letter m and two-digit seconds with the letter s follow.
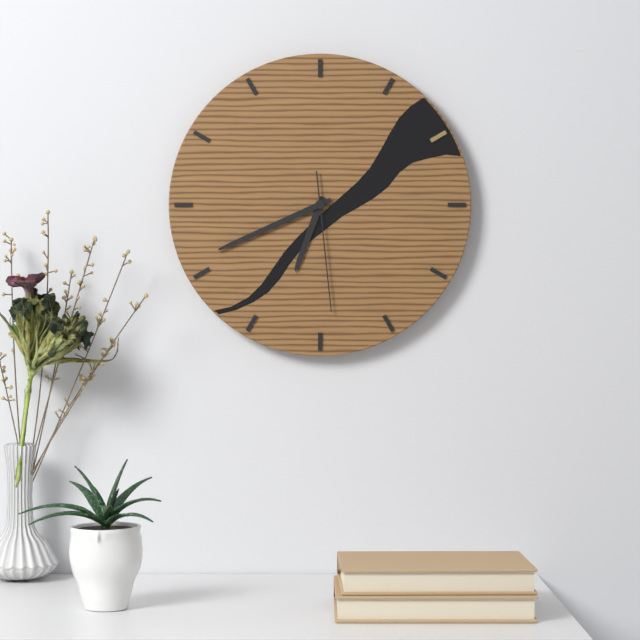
6h41m29s
